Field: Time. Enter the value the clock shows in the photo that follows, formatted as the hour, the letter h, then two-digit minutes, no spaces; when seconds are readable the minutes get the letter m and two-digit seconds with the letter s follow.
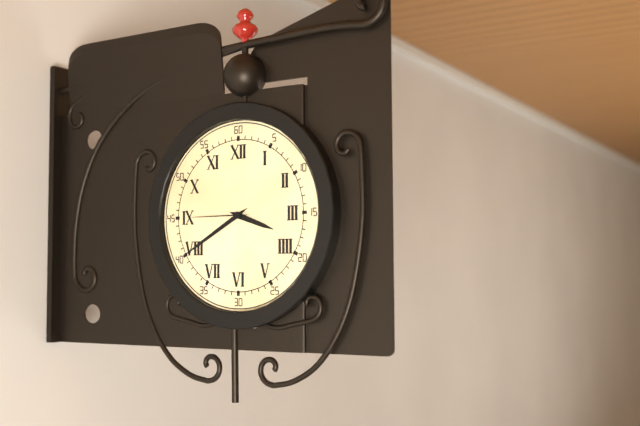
3h40m45s
